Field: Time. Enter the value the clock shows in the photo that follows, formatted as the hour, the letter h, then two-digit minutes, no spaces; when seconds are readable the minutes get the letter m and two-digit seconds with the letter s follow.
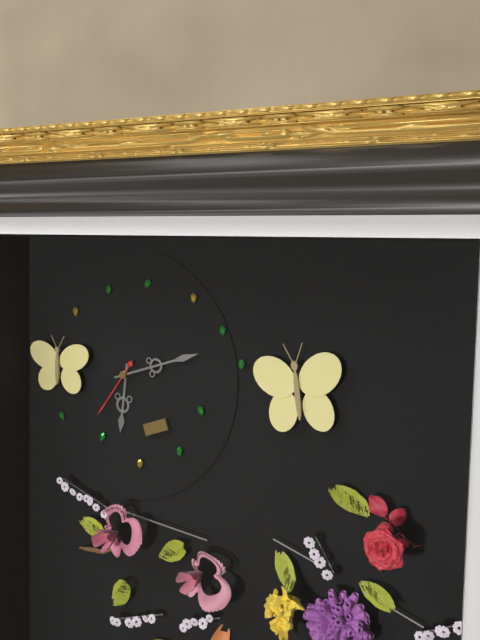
6h12m36s
